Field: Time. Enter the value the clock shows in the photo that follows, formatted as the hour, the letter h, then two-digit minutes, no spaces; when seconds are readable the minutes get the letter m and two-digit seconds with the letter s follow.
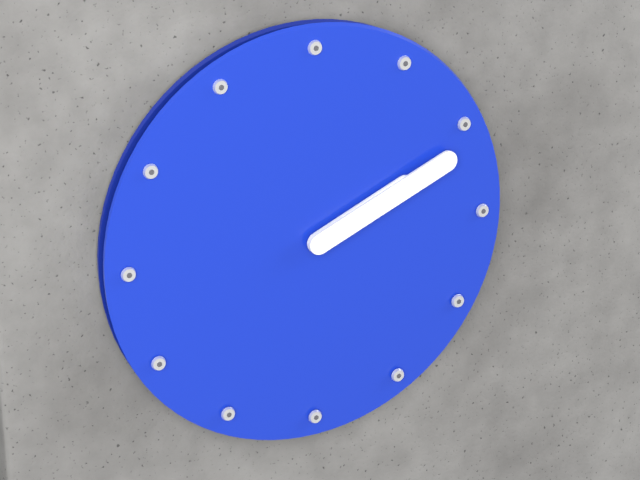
2h11
